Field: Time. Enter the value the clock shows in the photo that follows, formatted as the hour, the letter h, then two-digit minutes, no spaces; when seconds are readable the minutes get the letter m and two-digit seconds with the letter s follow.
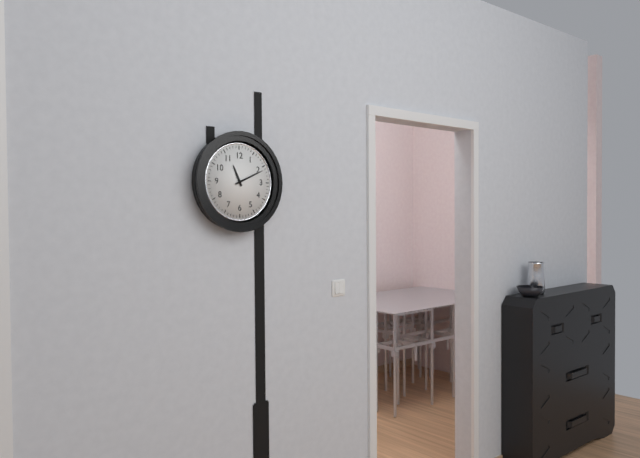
11h11
